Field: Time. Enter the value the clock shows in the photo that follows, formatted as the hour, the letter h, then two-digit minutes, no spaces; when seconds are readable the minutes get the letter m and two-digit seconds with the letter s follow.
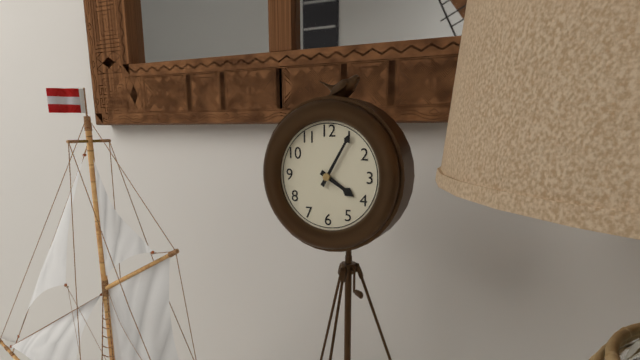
4h05
